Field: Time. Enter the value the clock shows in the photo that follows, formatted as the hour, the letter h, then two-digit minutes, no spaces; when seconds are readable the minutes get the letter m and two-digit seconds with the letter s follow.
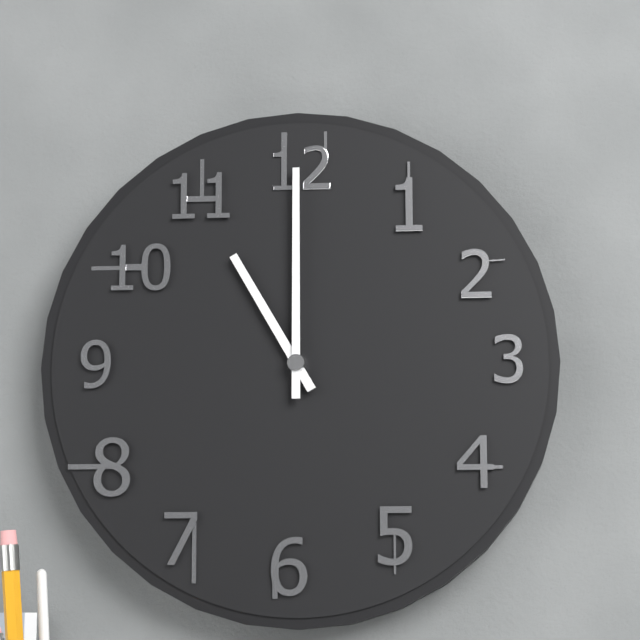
11h00
